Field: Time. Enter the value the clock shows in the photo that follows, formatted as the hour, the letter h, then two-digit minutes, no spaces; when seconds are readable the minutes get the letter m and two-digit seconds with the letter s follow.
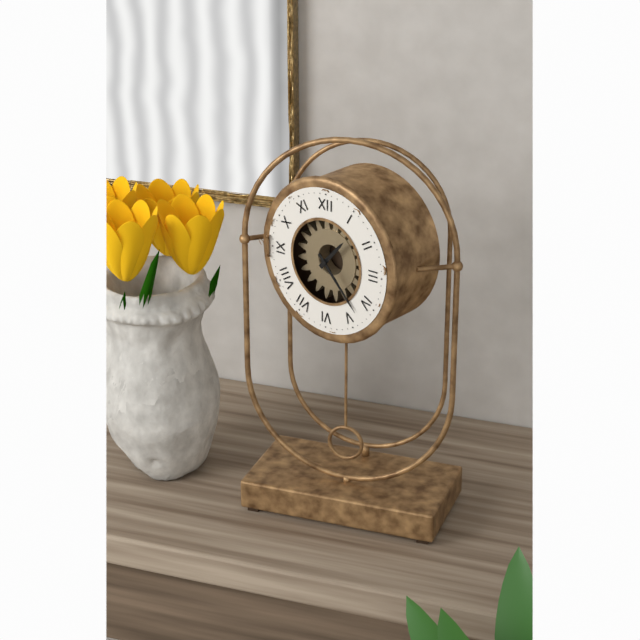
1h23
